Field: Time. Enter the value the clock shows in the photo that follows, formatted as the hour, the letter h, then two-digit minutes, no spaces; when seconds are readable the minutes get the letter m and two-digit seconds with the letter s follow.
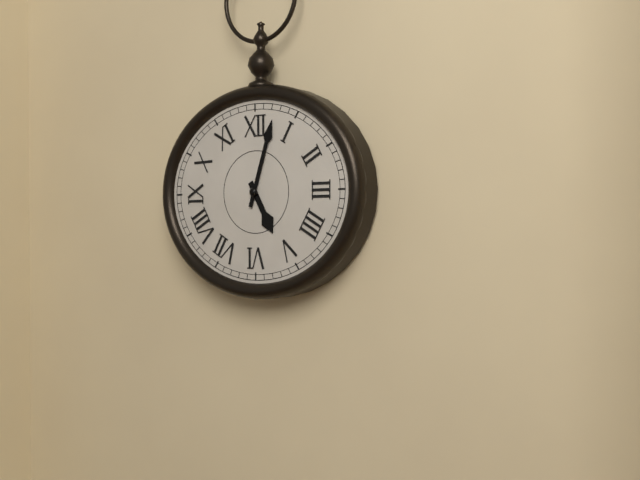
5h03
